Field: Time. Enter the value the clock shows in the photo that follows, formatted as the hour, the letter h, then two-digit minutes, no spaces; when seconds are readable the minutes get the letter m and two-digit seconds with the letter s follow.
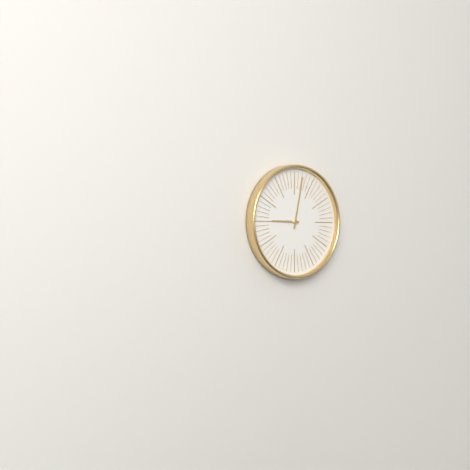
9h02
